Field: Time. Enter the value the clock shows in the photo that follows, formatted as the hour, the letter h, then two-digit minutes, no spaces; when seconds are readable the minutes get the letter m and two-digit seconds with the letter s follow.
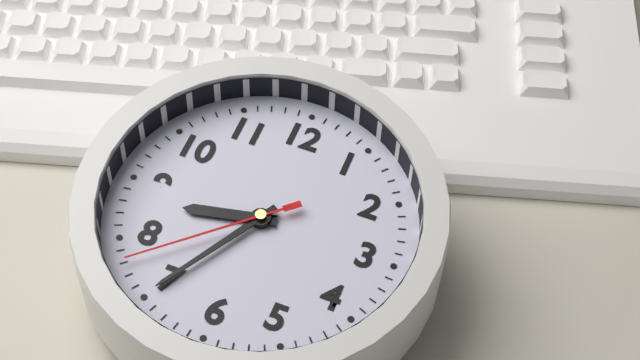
8h35m38s
